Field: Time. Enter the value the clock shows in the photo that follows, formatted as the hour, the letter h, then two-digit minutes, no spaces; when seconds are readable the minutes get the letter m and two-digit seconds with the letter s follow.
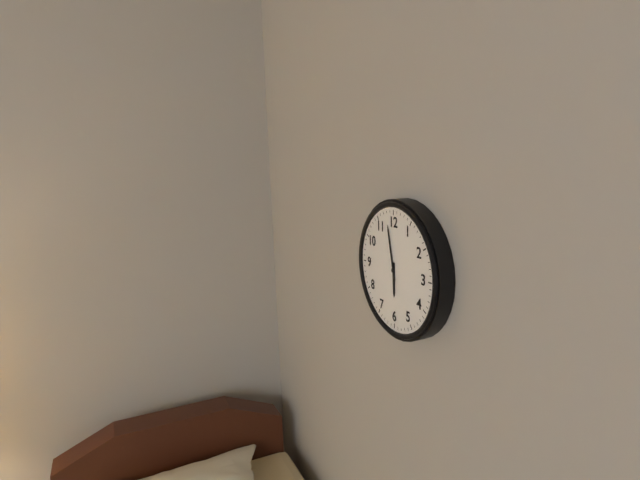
5h58
